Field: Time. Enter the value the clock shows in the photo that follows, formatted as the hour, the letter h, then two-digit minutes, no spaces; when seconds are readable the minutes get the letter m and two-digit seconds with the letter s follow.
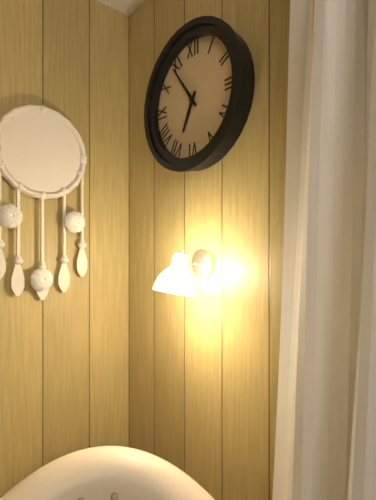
6h54
